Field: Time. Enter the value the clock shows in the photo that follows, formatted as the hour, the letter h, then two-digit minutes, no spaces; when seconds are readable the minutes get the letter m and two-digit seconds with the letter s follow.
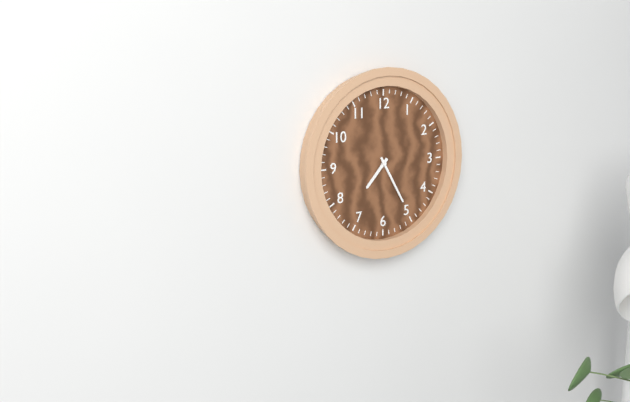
7h25
